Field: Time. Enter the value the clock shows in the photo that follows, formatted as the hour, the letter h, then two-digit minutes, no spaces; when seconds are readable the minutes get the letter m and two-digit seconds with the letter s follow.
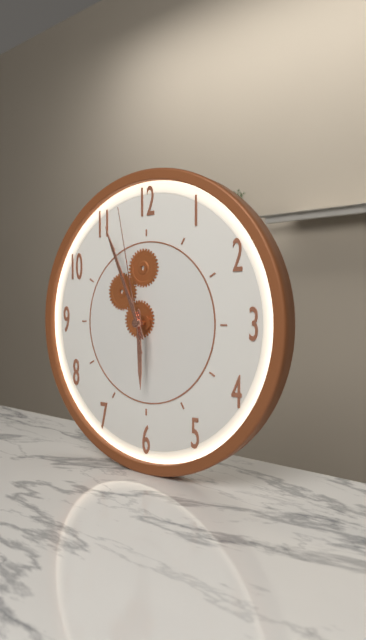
5h56m58s
